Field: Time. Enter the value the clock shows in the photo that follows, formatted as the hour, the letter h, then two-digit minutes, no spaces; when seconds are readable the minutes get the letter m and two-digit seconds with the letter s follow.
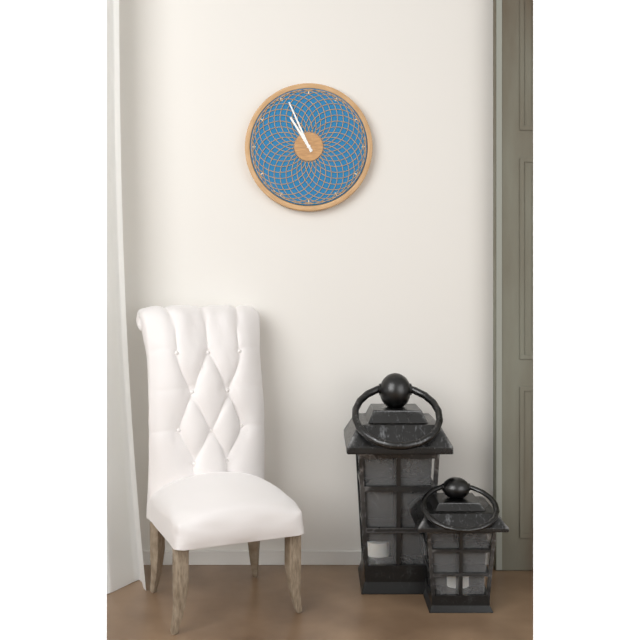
10h56
